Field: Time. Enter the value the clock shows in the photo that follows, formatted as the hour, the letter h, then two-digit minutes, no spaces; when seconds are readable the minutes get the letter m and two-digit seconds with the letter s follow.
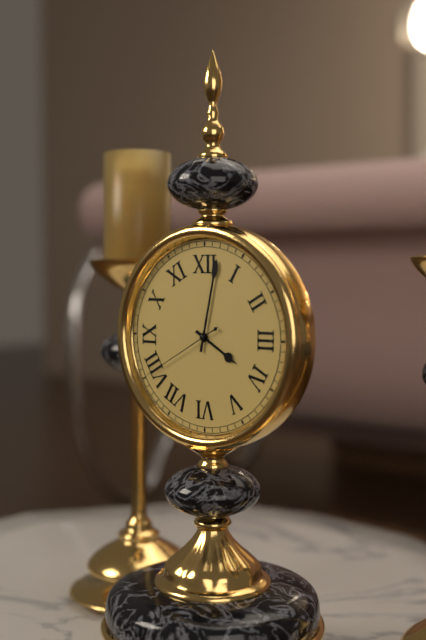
4h02m40s
